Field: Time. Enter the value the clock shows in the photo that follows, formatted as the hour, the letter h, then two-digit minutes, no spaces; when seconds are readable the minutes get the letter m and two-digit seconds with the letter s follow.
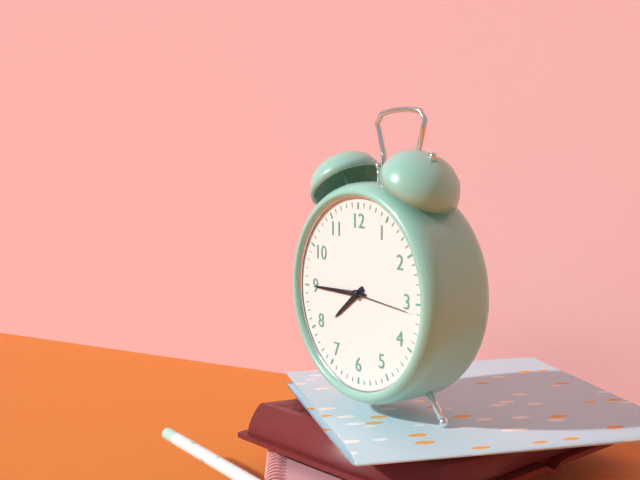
7h45m16s
